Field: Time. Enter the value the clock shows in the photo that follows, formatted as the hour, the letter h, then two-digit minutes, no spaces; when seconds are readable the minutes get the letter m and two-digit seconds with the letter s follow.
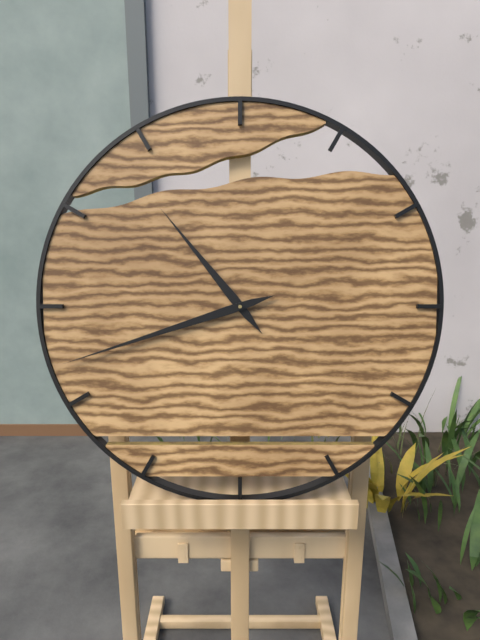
10h42
